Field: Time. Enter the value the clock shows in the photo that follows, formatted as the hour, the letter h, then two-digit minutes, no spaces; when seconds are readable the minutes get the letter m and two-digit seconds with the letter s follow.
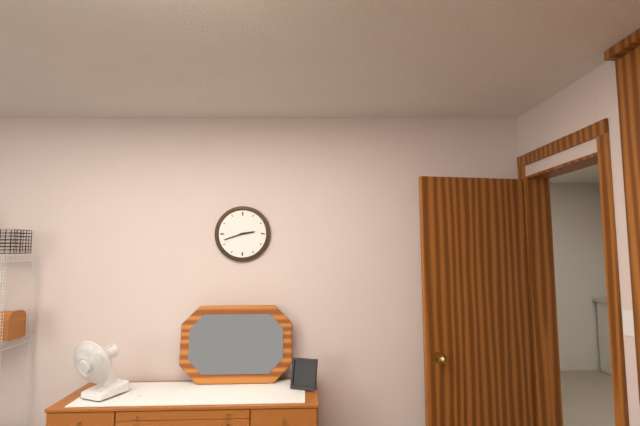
2h42
